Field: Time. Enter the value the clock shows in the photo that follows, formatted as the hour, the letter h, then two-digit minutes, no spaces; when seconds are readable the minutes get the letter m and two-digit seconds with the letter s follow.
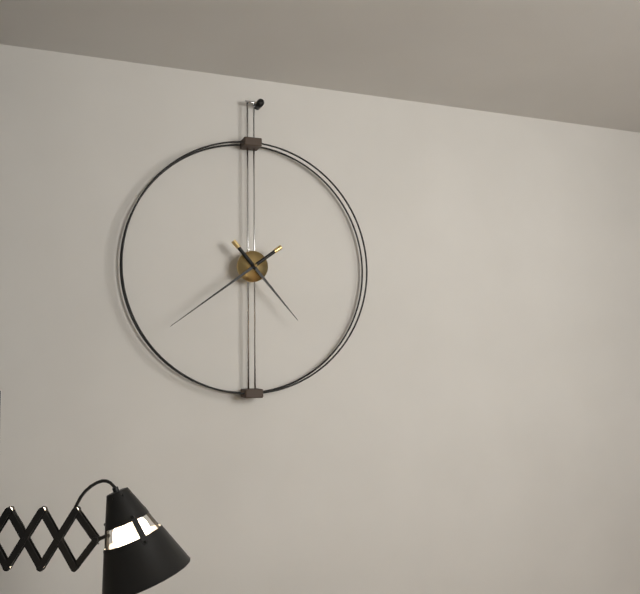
4h39
